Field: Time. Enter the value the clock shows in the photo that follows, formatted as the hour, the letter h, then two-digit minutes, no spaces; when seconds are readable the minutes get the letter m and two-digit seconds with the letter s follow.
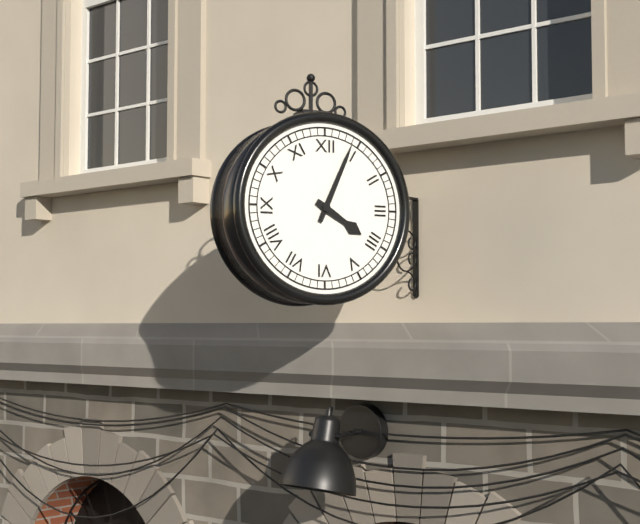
4h04
